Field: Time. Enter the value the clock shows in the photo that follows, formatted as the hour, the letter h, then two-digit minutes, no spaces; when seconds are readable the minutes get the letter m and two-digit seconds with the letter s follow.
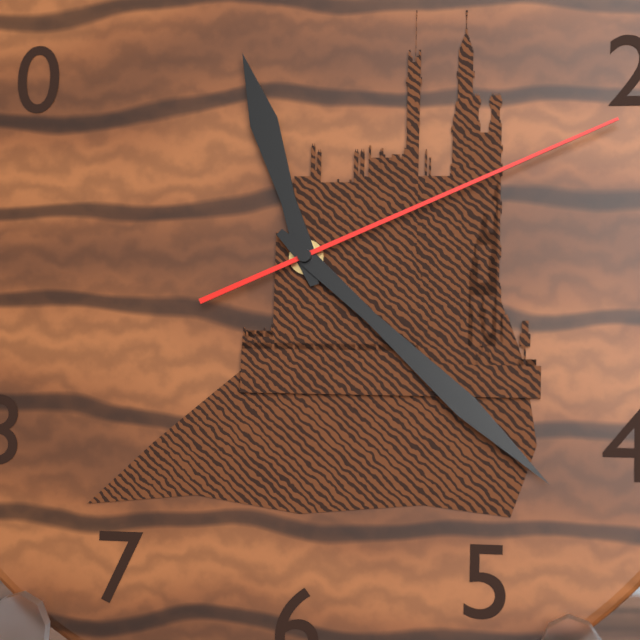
11h22m11s
